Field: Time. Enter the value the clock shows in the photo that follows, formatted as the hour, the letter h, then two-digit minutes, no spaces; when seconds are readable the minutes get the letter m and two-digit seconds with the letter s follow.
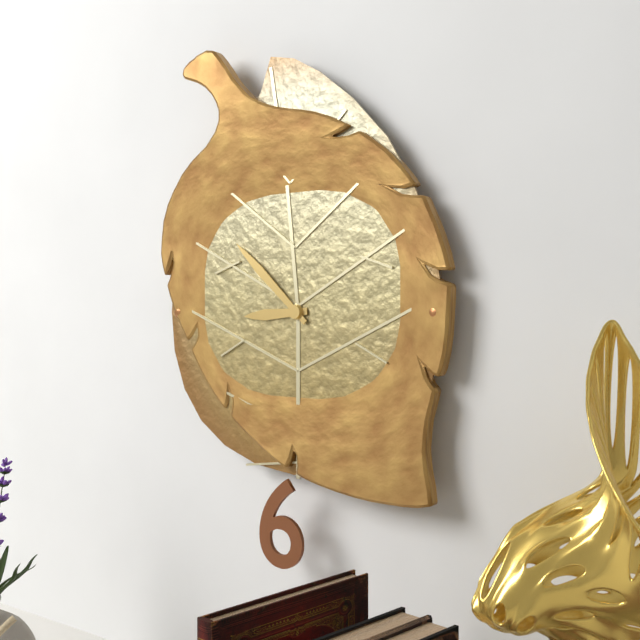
8h52
